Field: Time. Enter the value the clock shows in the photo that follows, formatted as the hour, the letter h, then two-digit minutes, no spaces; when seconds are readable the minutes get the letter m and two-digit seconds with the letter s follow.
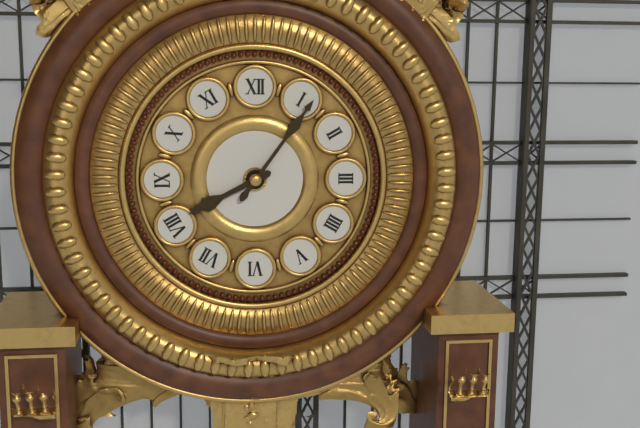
8h06
